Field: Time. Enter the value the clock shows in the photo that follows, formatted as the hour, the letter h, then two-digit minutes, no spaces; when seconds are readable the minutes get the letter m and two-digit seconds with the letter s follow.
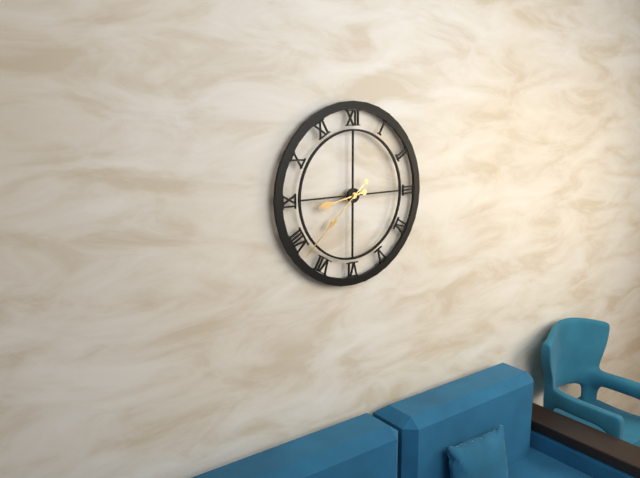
8h38
